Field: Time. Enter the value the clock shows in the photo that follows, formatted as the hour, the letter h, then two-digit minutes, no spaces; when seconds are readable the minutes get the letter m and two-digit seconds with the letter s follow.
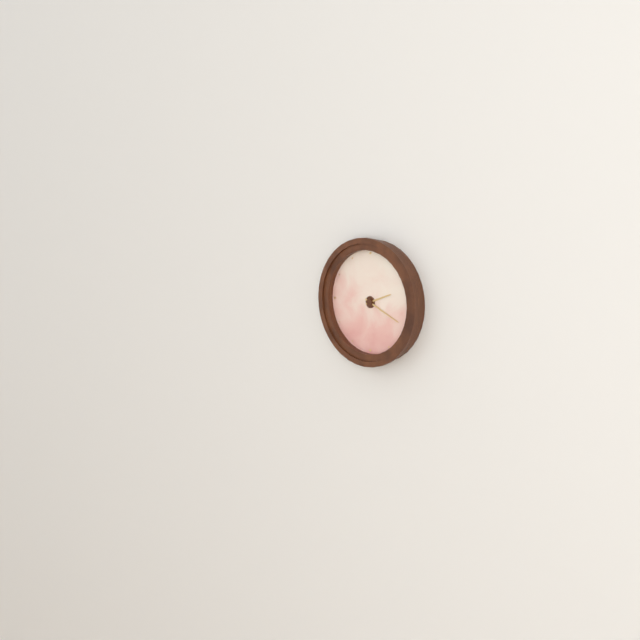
2h19
